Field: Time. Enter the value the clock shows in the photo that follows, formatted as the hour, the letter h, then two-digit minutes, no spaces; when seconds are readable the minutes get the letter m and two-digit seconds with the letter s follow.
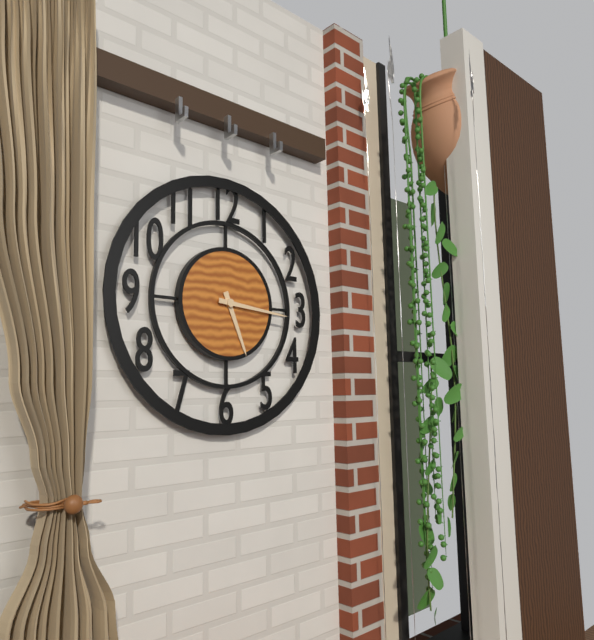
5h16
